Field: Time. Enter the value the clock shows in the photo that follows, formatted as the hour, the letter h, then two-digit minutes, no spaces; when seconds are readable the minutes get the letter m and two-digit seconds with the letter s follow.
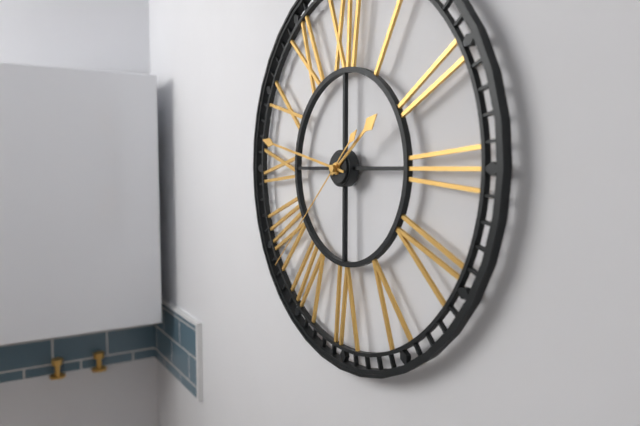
1h47m38s
